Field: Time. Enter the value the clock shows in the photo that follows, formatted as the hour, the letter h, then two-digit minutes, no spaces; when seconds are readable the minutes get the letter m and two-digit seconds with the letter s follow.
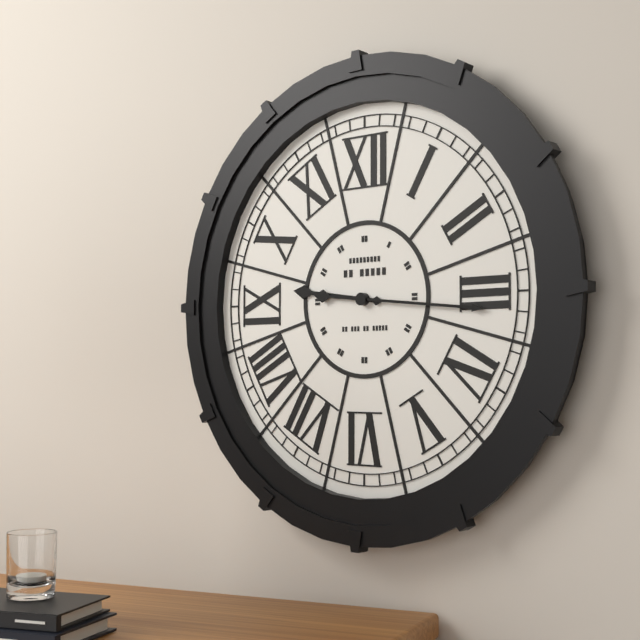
9h16
